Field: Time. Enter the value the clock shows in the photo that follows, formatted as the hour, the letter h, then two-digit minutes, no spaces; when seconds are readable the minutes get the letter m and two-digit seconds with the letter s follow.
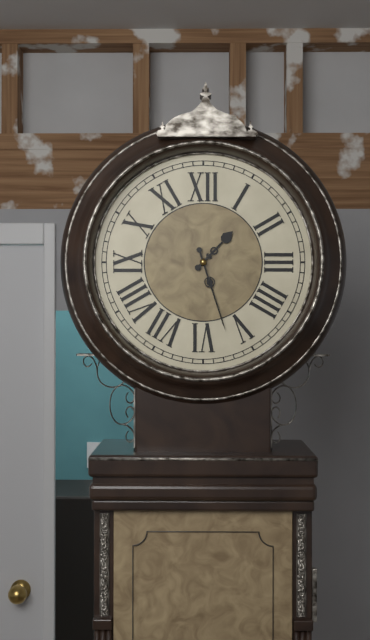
1h27
